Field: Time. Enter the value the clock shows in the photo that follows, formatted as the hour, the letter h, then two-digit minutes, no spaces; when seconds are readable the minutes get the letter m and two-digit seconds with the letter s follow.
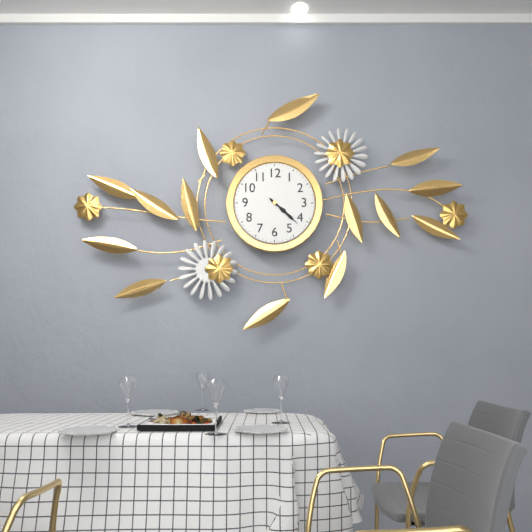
4h22
